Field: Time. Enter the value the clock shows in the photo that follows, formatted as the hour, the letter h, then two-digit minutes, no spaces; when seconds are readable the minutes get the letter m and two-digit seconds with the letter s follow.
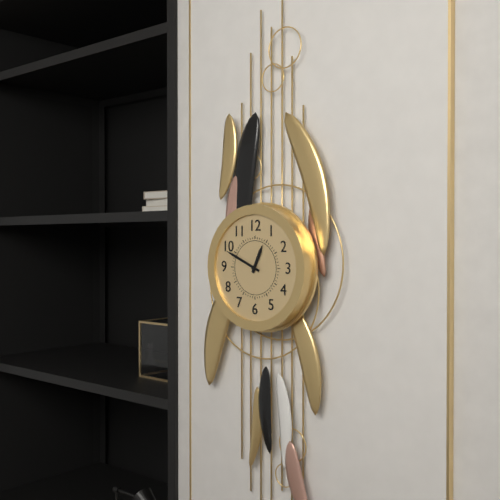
12h49
